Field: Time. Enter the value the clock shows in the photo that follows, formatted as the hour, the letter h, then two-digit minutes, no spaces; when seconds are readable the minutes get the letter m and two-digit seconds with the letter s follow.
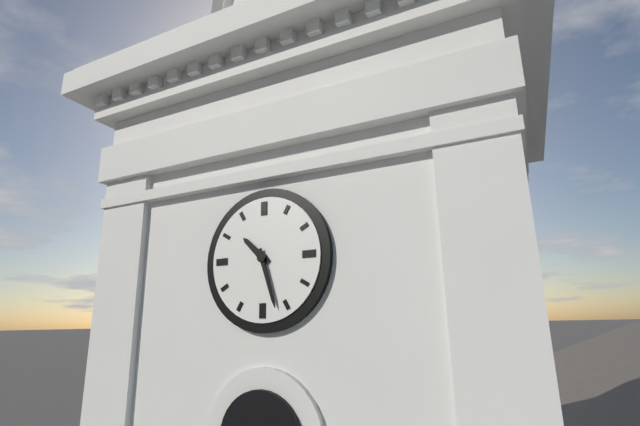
10h27
